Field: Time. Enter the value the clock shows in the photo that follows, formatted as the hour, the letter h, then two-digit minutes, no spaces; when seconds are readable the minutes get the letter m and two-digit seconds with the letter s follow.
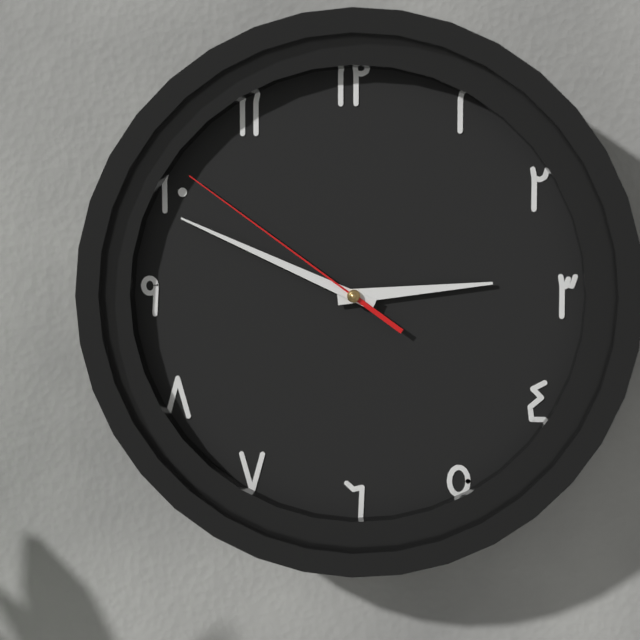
2h49m51s
